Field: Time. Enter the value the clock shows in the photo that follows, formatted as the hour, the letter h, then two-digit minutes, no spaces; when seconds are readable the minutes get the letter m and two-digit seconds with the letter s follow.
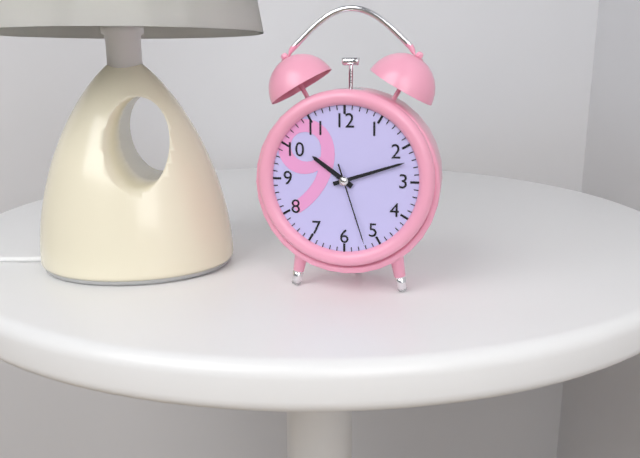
10h12m27s
